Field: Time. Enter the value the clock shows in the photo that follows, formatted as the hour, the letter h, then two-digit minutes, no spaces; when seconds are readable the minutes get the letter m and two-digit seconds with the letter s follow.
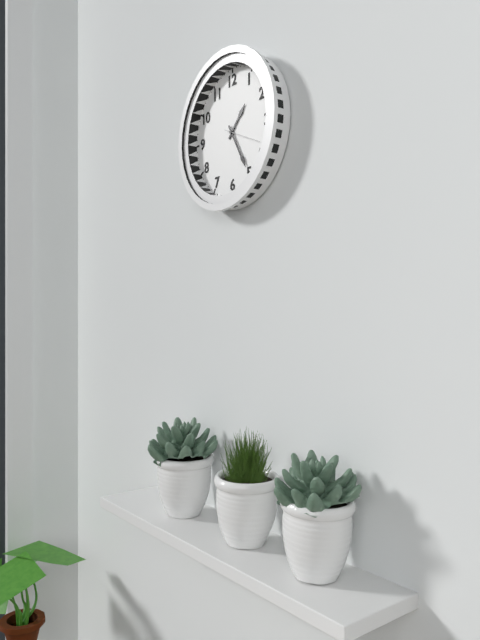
1h25
